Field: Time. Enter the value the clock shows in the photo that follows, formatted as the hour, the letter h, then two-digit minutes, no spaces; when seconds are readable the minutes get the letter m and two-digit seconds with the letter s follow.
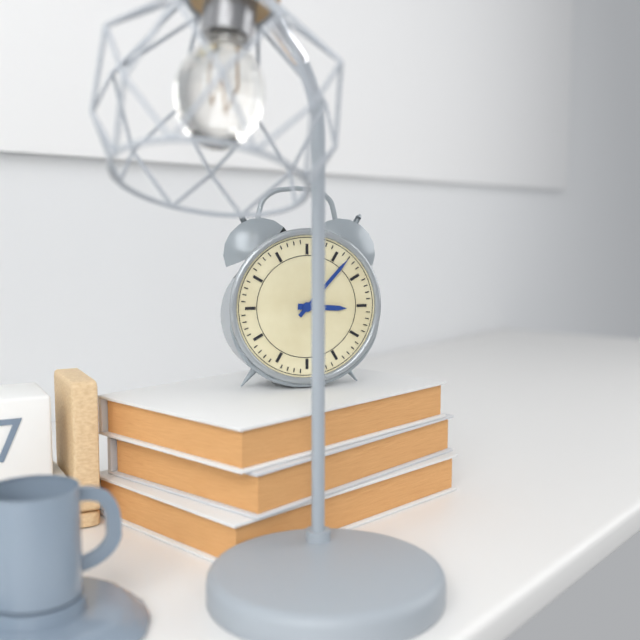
3h07
